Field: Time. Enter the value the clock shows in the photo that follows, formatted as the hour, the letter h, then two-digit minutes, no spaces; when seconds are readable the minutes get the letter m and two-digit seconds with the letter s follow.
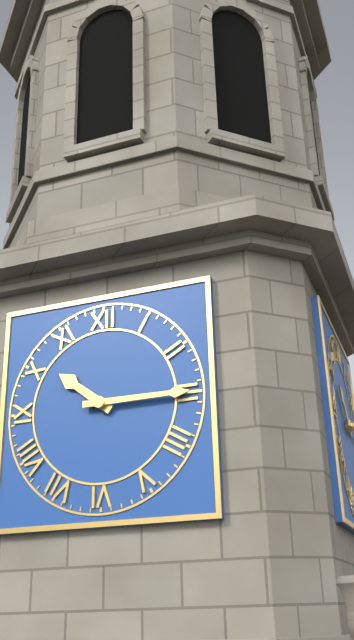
10h15
